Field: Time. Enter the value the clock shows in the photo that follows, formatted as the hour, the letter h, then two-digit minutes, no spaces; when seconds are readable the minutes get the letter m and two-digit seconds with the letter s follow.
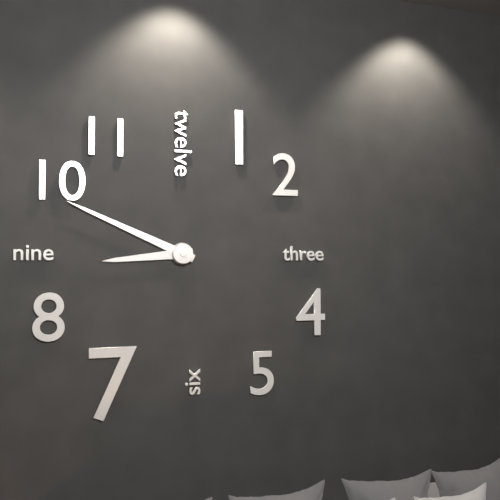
8h49
